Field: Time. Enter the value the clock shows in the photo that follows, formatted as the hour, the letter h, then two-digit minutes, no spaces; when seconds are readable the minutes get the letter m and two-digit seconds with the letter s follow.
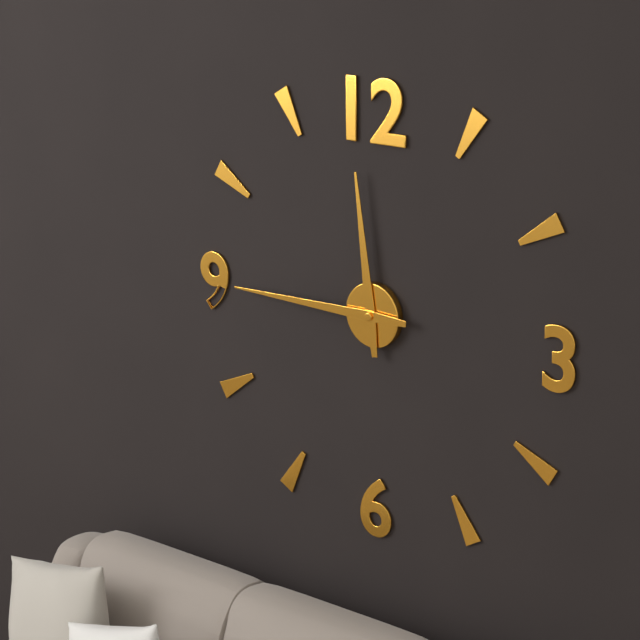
11h45
